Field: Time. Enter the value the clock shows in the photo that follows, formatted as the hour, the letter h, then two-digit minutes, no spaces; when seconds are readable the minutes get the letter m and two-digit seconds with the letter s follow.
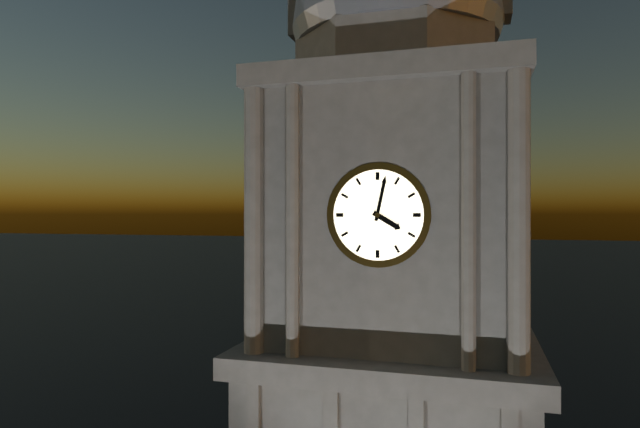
4h02
